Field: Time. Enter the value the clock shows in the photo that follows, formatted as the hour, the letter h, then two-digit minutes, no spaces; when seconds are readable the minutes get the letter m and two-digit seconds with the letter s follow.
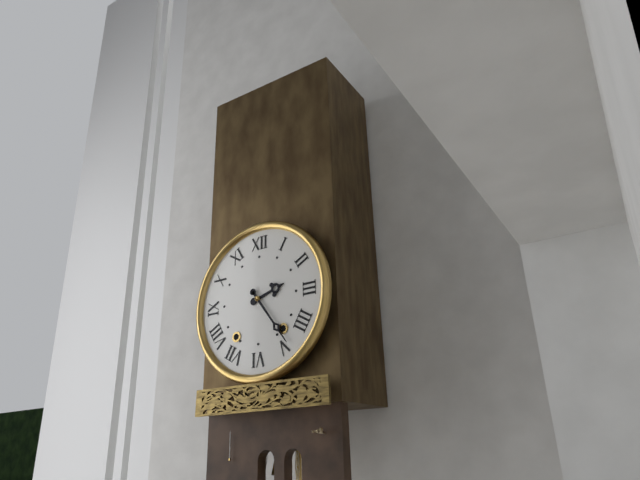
2h24
